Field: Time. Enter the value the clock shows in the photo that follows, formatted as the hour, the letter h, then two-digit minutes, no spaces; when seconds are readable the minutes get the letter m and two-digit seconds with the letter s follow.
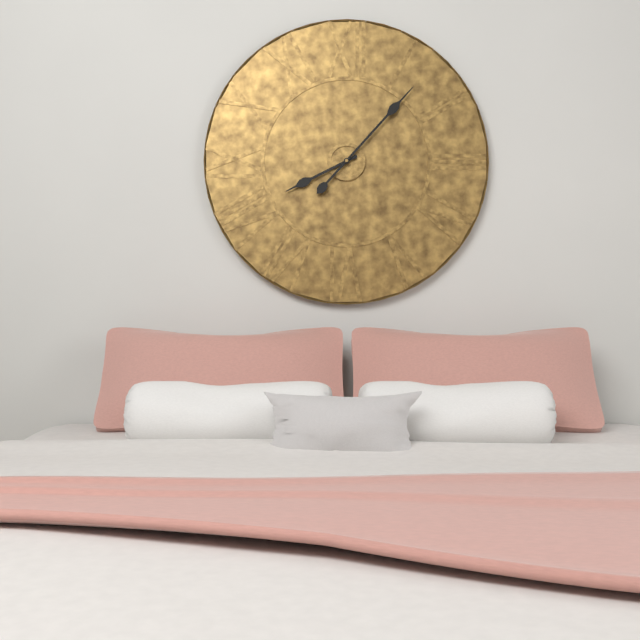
8h07
